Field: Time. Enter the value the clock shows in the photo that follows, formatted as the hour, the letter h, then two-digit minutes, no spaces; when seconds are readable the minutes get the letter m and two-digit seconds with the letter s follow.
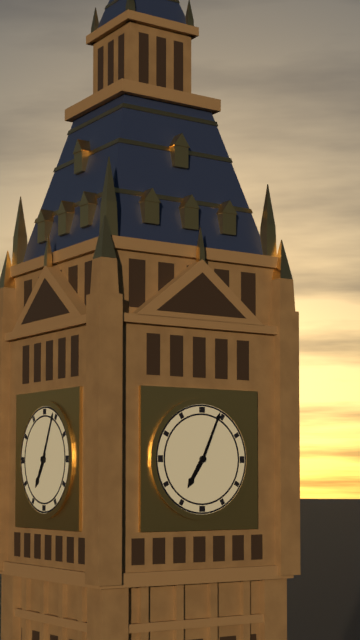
7h04
